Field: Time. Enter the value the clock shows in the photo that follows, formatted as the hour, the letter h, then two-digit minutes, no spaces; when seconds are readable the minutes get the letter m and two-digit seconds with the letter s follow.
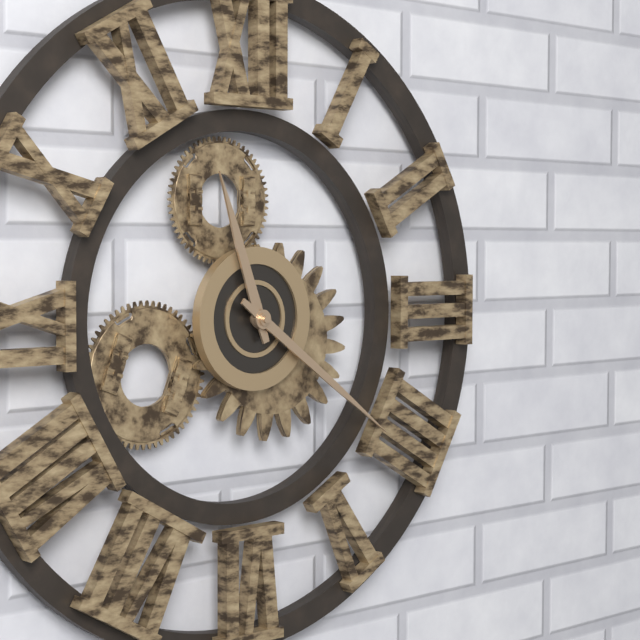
11h21
